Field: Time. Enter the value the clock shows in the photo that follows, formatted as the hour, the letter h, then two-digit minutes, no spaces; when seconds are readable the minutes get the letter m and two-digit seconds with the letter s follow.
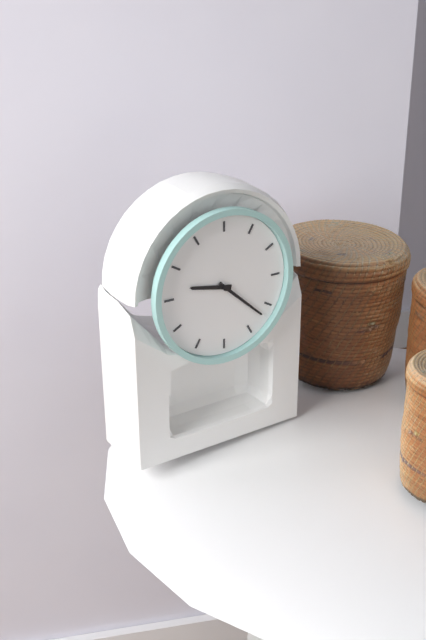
9h22
